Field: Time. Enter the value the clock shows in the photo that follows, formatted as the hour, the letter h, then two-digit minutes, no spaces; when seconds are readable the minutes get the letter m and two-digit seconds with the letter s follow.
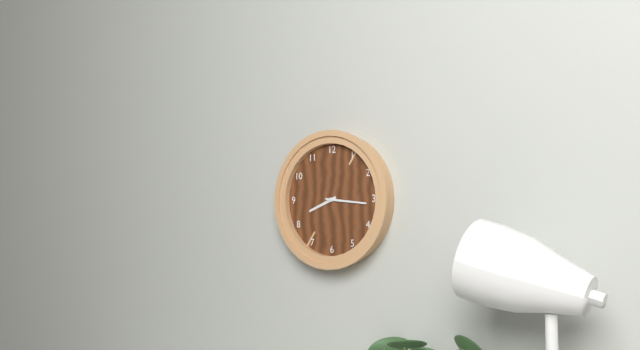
8h16
